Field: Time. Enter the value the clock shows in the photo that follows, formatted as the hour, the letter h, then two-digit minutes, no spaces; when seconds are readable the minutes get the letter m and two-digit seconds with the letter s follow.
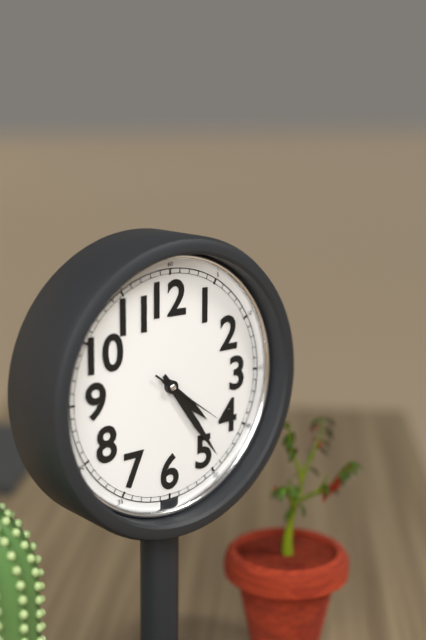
4h24m21s
